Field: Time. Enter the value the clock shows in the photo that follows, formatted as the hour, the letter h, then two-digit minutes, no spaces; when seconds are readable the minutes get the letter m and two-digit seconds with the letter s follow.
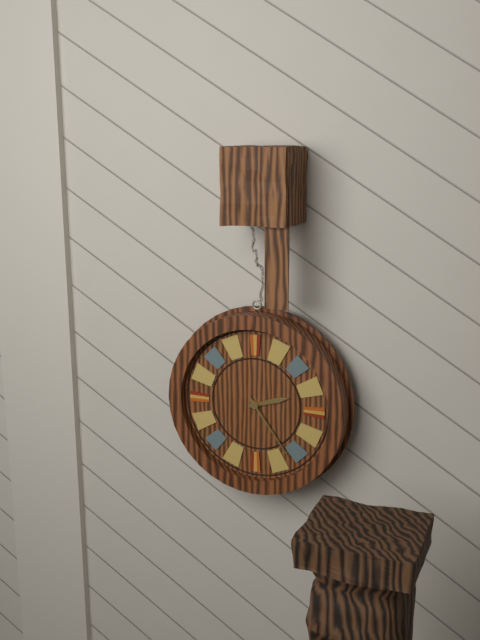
2h24
